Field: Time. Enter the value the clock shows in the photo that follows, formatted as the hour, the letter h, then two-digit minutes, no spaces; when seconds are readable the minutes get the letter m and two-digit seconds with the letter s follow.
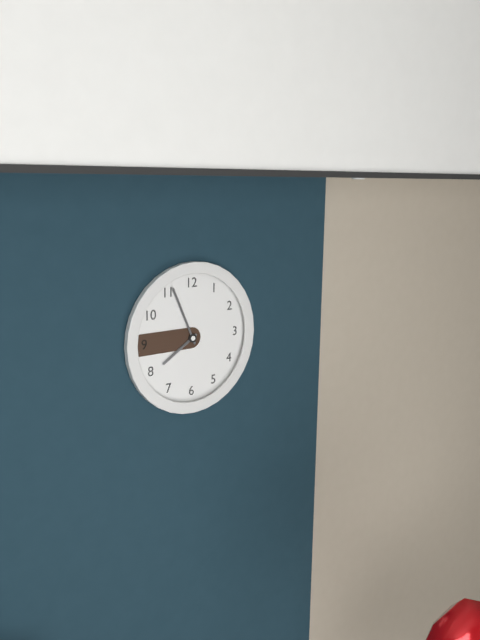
7h56
